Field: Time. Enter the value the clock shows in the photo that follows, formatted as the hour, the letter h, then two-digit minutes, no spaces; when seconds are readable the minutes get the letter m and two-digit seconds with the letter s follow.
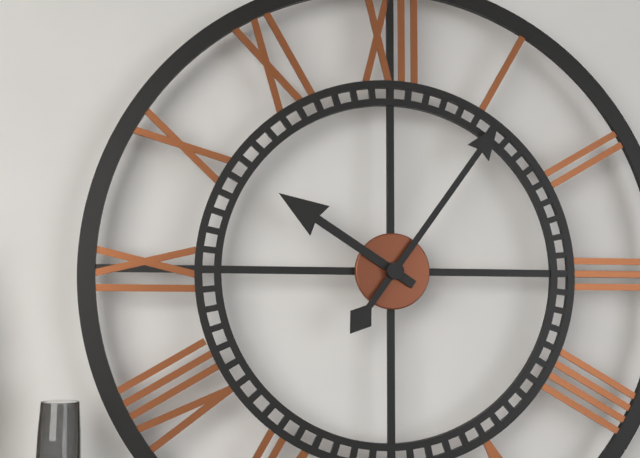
10h06
